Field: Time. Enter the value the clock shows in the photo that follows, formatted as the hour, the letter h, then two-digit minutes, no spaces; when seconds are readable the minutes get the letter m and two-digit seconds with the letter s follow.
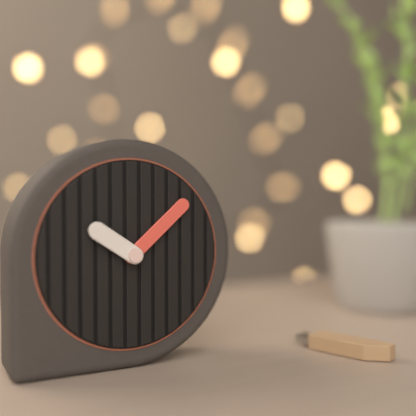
10h08
